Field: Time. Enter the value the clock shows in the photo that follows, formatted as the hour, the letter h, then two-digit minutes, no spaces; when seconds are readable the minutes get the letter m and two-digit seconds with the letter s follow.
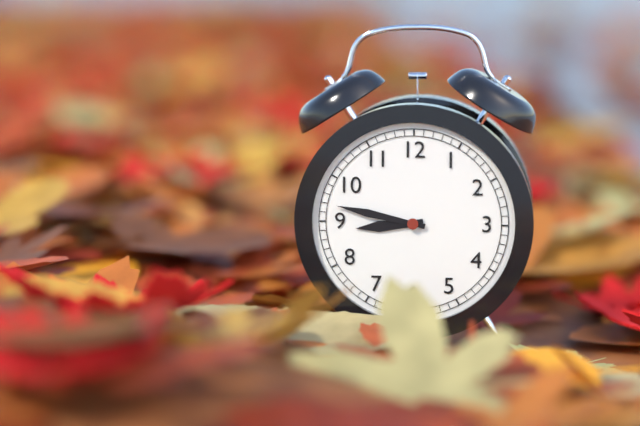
8h47
